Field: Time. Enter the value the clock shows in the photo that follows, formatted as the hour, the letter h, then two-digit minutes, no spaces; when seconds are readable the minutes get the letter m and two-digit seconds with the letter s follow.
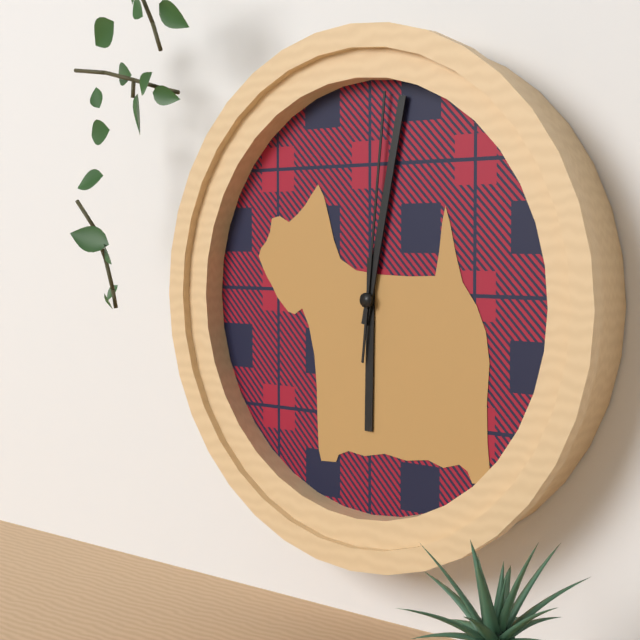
6h02m01s
